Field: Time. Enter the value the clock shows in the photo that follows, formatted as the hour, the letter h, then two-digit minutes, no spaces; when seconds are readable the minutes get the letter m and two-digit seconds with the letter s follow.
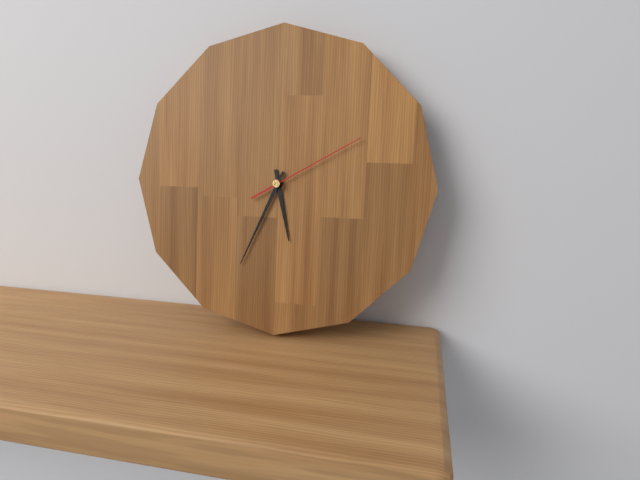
5h34m10s
